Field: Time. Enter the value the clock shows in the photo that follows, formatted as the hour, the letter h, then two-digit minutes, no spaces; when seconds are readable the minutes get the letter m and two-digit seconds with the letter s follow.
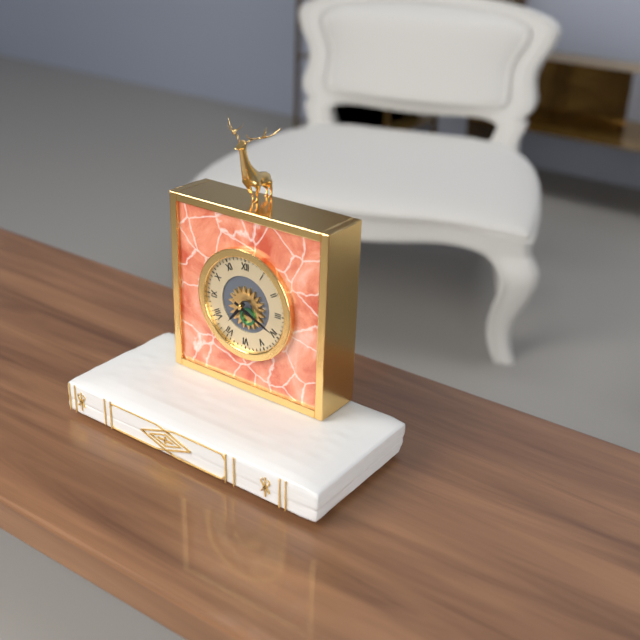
7h19
